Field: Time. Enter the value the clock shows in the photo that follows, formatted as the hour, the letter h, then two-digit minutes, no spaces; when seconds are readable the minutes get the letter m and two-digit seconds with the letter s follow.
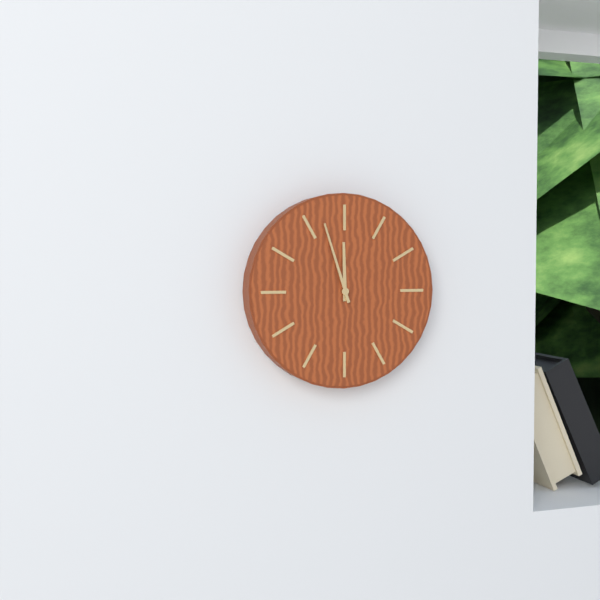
11h57
